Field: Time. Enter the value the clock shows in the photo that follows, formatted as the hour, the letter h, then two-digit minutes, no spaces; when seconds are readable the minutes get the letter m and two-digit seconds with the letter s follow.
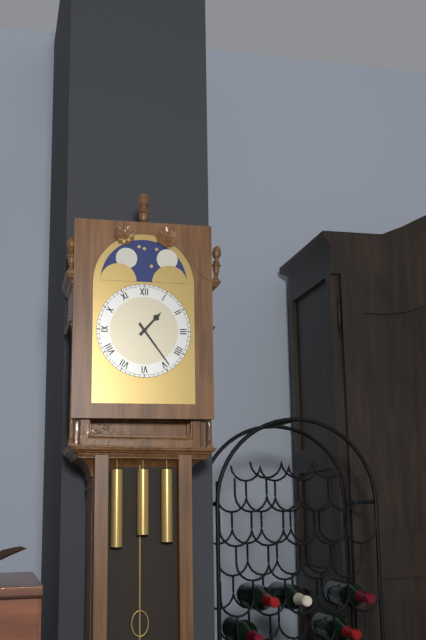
1h24
